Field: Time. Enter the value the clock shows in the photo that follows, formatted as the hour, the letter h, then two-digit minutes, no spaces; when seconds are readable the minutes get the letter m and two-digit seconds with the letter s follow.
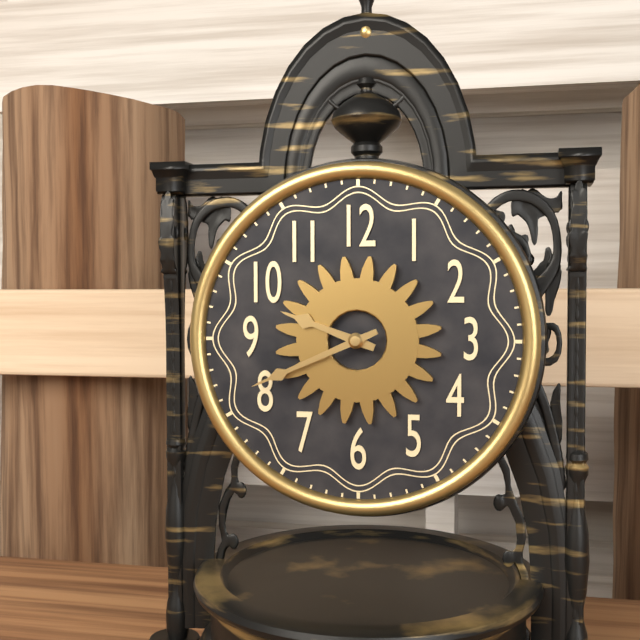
9h41
